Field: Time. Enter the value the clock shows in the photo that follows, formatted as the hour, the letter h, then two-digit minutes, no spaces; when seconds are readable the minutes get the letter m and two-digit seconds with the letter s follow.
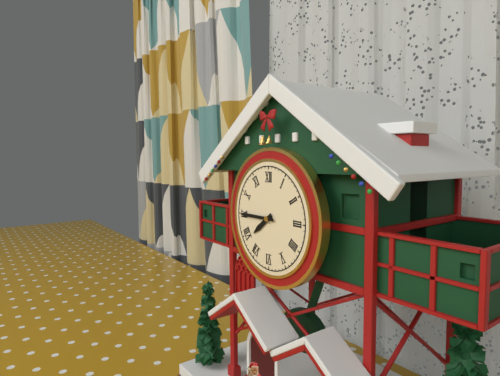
7h45
